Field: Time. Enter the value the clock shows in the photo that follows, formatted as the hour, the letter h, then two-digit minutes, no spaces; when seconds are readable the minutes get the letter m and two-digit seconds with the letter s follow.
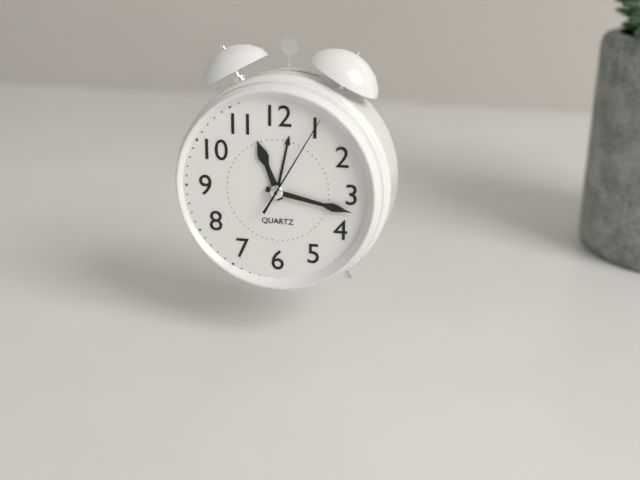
11h17m05s
